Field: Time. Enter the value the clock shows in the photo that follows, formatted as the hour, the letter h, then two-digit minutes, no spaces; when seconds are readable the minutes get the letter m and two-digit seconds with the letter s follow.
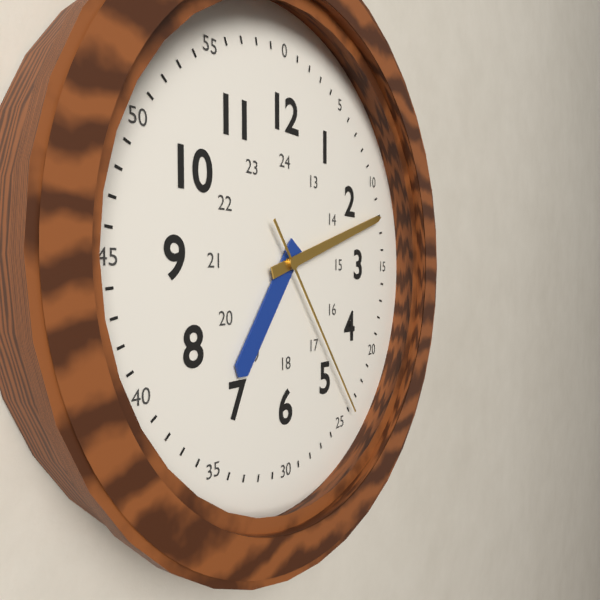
7h12m24s
